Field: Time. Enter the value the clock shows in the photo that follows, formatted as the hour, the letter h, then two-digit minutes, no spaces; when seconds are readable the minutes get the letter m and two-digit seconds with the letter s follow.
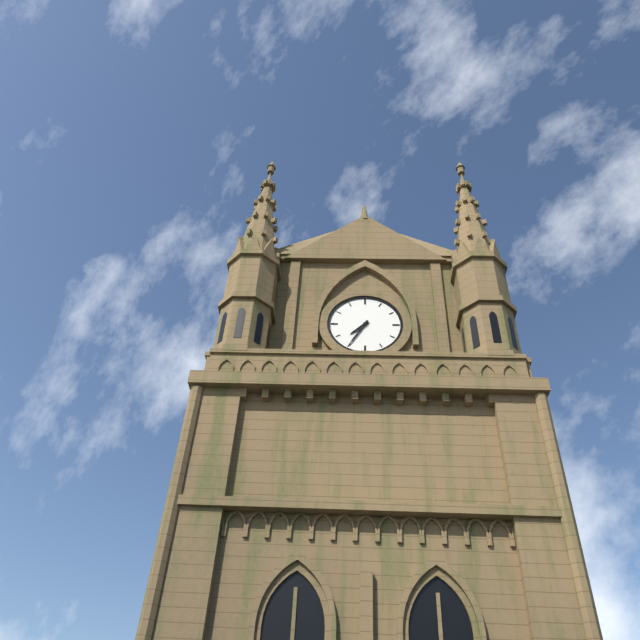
7h35
